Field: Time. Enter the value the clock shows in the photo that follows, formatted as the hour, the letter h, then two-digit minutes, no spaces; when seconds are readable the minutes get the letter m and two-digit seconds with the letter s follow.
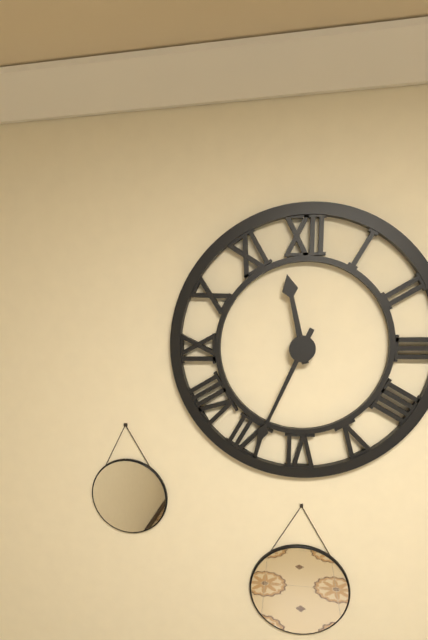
11h34
